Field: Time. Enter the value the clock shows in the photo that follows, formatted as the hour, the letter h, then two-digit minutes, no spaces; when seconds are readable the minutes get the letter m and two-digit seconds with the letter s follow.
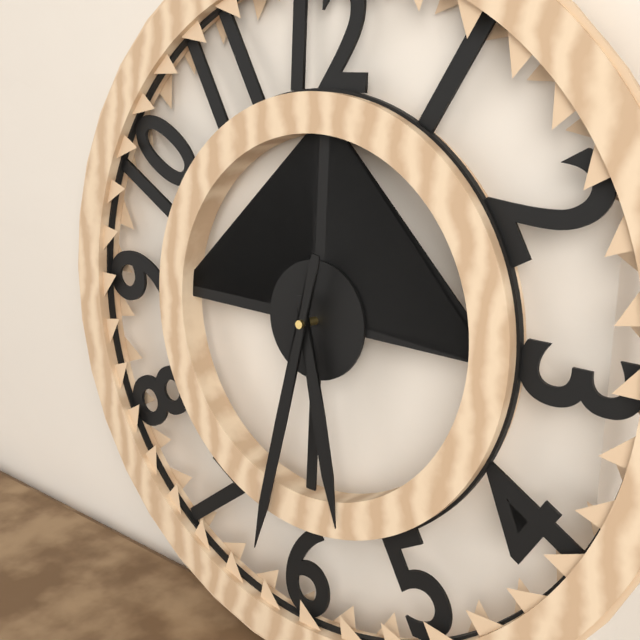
5h32
